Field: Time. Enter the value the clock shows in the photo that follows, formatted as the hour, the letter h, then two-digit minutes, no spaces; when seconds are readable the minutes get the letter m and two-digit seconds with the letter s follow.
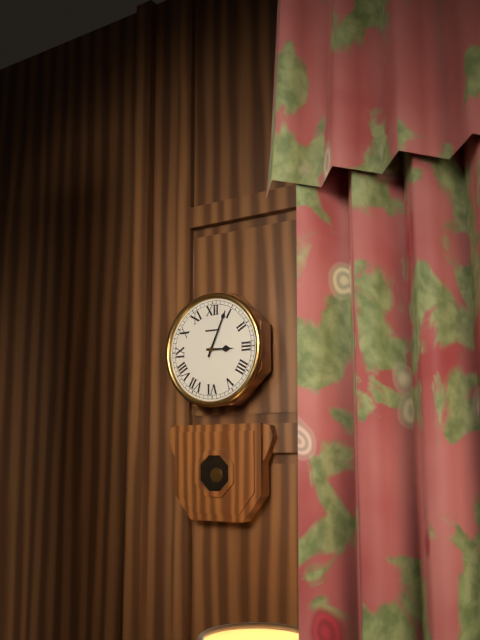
3h04
